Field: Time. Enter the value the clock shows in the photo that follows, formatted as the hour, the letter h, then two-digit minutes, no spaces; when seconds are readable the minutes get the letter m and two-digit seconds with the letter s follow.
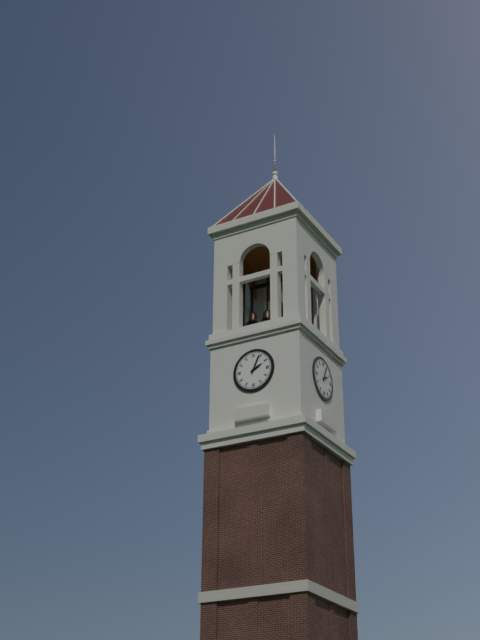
2h04
